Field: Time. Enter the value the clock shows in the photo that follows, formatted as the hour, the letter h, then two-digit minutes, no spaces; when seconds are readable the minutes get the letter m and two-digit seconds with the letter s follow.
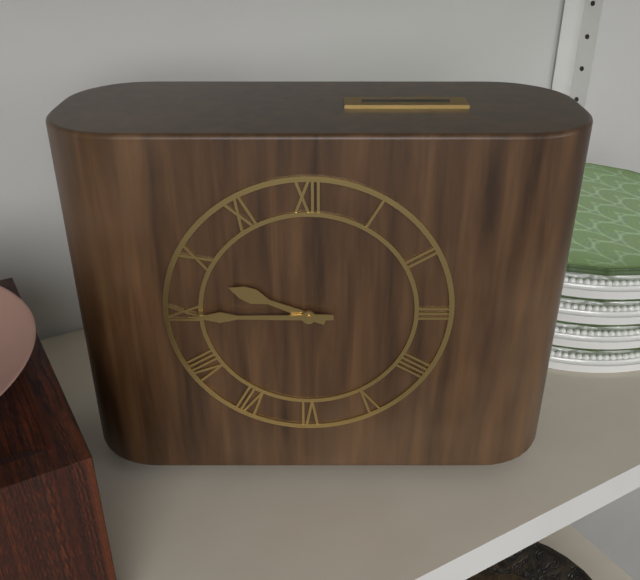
9h45
